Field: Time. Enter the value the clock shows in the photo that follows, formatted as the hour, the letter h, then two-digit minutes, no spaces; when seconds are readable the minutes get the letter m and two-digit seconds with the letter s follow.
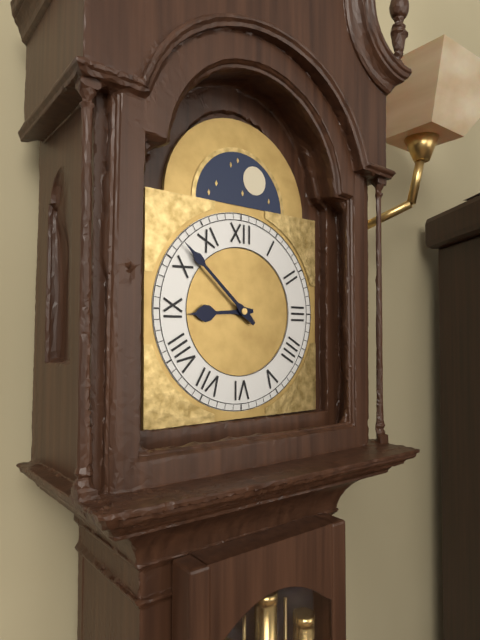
8h52
